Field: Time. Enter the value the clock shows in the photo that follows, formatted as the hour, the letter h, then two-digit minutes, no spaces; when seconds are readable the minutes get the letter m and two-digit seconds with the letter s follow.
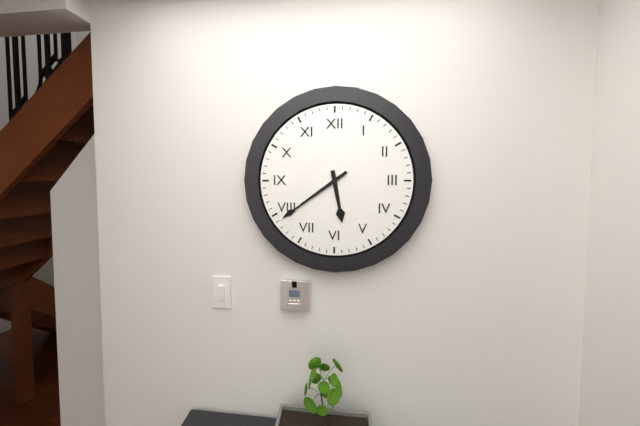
5h39
